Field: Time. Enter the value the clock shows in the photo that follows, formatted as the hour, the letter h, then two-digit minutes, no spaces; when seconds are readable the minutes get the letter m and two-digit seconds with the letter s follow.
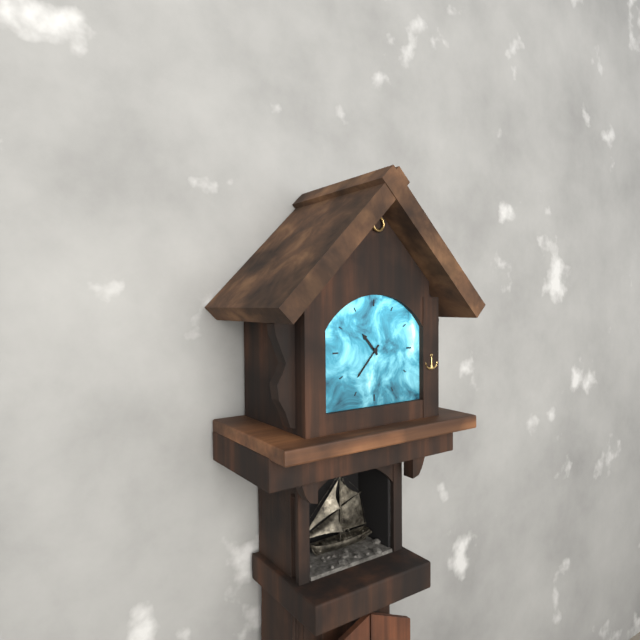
10h37
